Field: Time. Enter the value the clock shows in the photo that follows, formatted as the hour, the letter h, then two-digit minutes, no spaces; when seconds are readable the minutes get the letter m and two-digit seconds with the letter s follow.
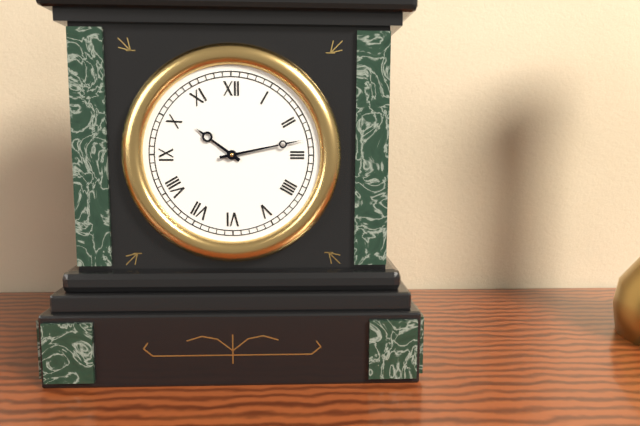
10h13
